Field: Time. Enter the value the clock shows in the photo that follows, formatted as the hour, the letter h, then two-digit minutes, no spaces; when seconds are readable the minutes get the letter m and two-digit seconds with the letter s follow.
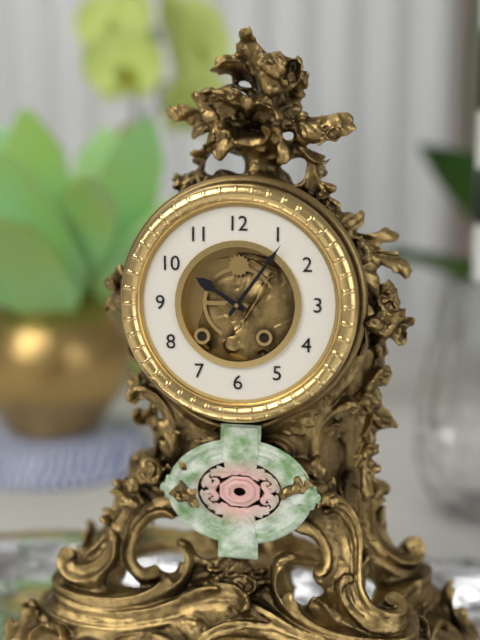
10h06
